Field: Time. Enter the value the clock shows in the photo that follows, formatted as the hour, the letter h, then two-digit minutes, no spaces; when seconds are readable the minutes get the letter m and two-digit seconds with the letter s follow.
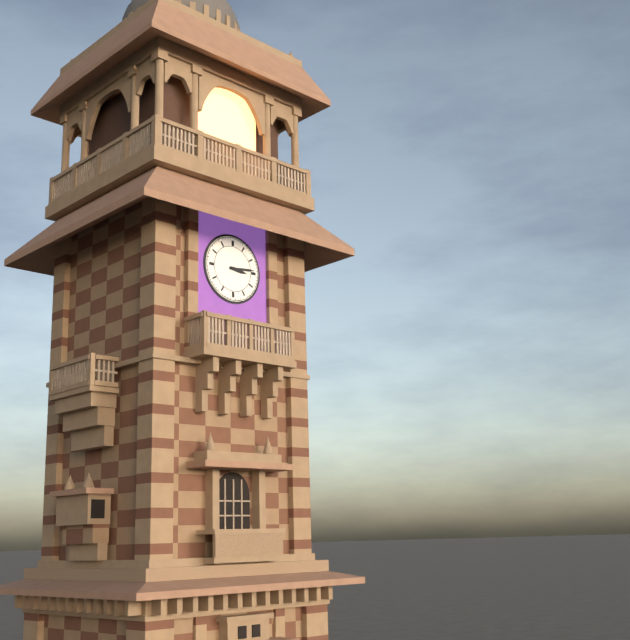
3h14
